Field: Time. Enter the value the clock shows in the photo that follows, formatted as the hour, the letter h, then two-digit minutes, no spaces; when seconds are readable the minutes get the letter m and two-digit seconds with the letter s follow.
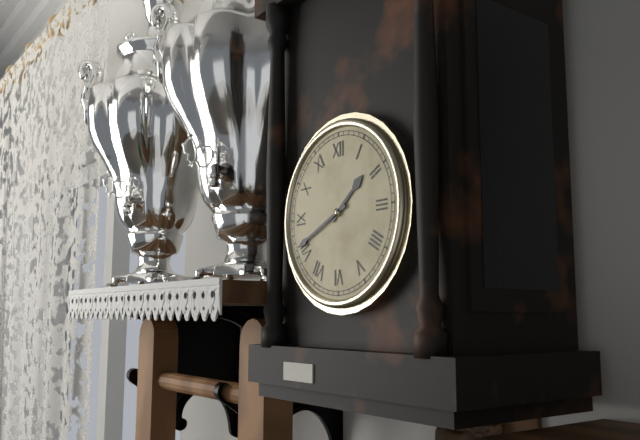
1h41
